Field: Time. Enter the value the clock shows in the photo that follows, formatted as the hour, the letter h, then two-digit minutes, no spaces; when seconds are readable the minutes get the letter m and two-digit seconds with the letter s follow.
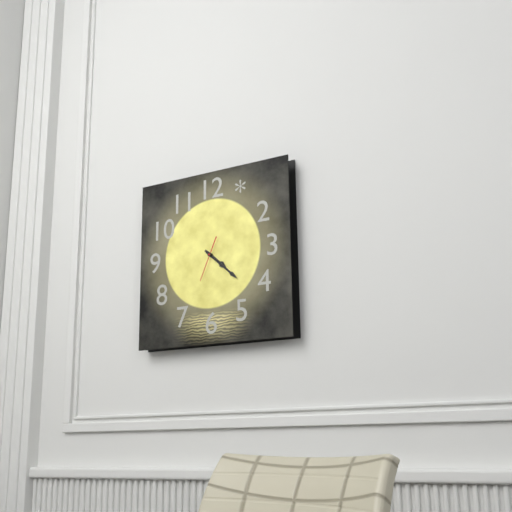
4h22
